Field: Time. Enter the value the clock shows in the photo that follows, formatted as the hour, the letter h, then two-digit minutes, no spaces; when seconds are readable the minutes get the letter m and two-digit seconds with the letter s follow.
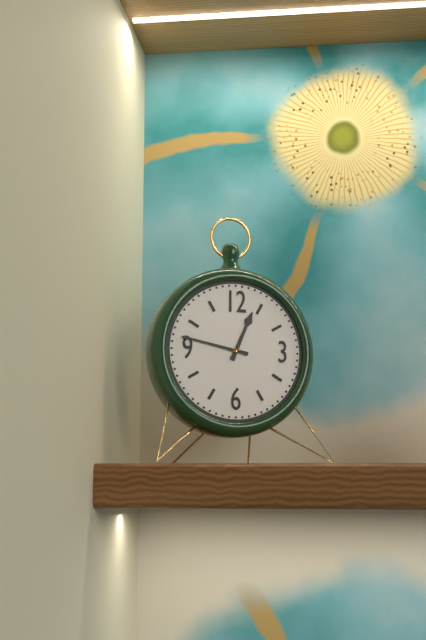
12h47
